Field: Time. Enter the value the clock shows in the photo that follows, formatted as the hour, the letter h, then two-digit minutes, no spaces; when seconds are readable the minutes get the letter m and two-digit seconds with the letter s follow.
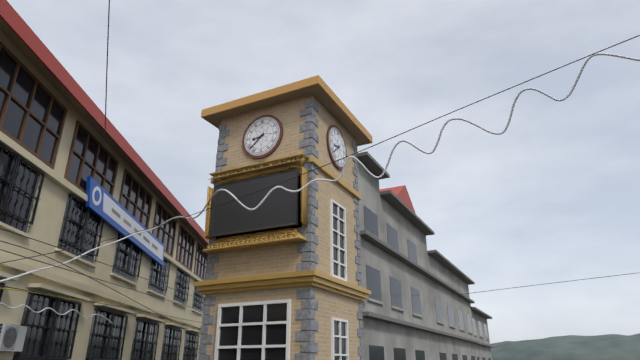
8h38
